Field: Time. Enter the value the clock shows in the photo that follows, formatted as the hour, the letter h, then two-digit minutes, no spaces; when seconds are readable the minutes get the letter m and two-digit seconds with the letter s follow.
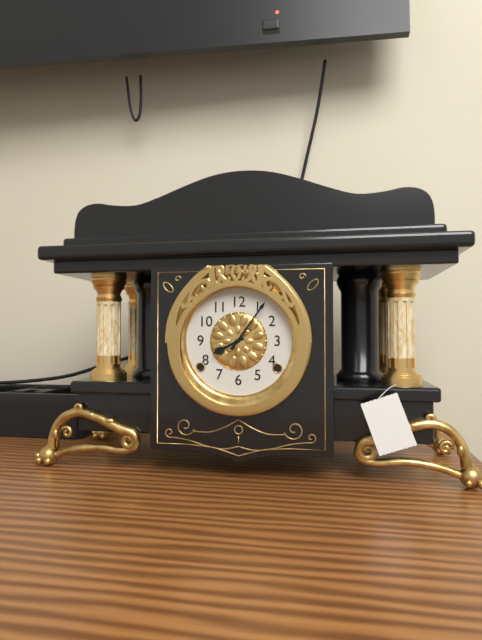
8h06
